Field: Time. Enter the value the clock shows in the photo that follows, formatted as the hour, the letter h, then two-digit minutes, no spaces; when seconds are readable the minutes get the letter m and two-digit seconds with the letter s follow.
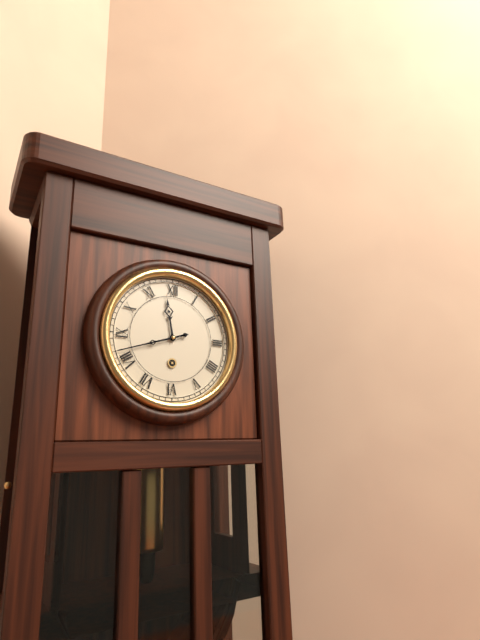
11h42
